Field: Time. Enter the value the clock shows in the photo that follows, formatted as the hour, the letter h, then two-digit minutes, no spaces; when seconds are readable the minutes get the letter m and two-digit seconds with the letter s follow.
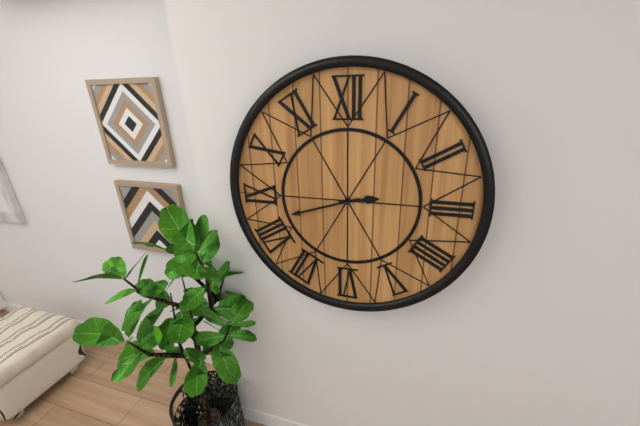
2h42
